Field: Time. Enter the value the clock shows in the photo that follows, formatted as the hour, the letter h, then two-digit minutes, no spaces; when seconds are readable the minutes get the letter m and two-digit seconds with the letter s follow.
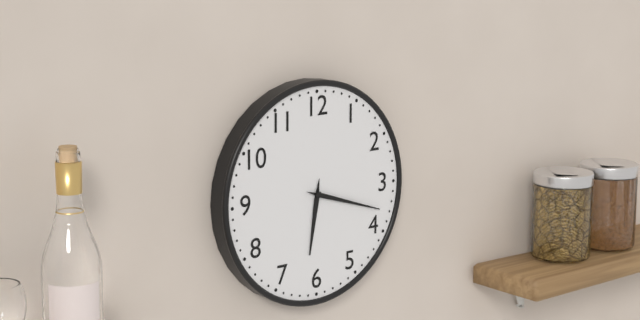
6h18
